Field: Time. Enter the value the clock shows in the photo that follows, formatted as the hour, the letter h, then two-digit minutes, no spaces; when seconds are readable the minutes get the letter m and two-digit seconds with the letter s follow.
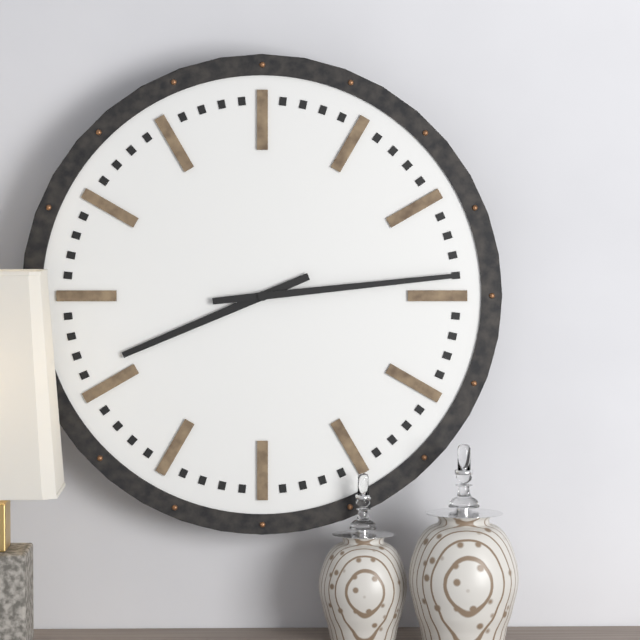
8h14
